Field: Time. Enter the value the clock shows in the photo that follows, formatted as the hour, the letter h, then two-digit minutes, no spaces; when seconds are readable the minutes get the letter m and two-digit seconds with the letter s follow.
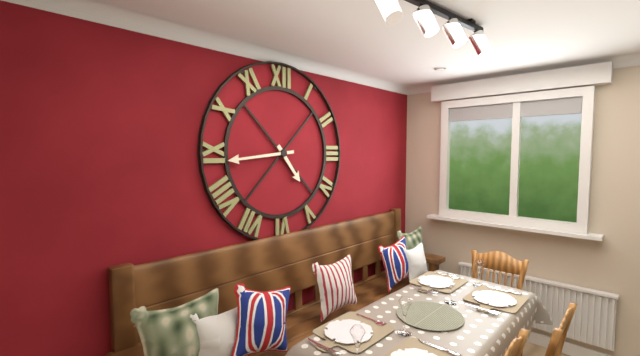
4h44
